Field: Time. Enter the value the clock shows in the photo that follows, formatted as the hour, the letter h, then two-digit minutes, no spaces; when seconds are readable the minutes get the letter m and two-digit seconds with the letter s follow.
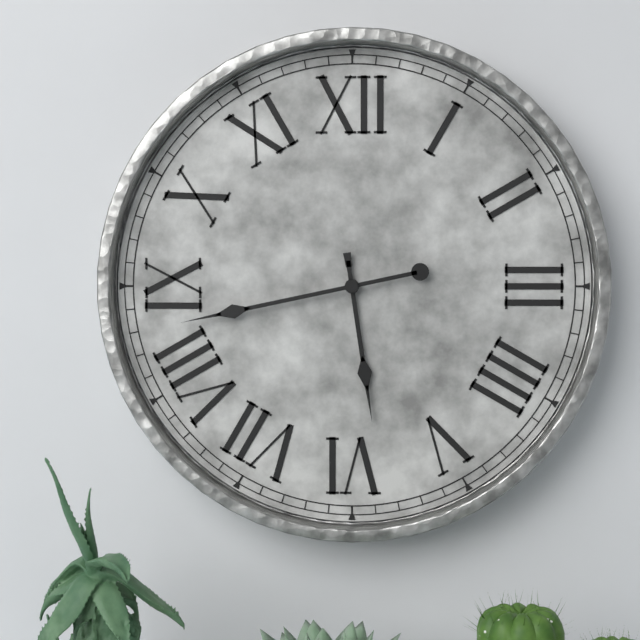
5h43
